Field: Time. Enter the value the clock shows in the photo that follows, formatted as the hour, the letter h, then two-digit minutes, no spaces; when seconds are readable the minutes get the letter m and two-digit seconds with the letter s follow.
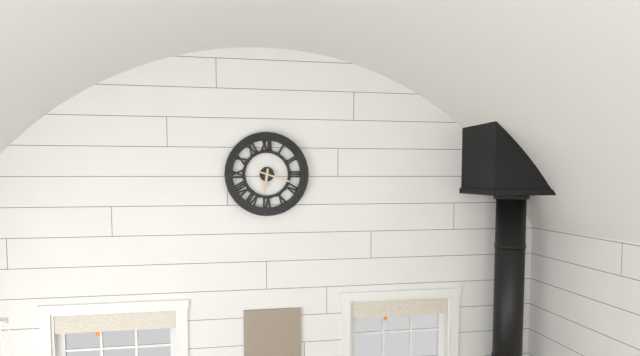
6h18
